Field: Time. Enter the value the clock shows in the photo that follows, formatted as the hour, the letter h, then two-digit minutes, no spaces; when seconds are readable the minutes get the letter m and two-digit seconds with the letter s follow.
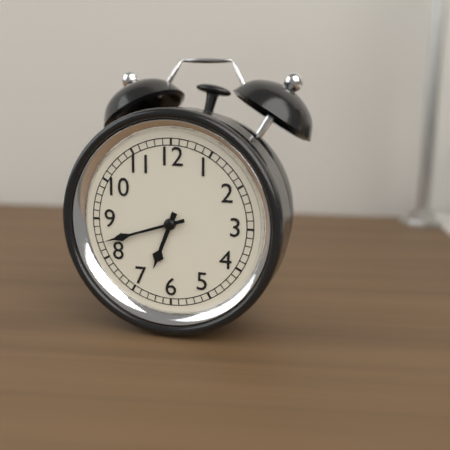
6h42
